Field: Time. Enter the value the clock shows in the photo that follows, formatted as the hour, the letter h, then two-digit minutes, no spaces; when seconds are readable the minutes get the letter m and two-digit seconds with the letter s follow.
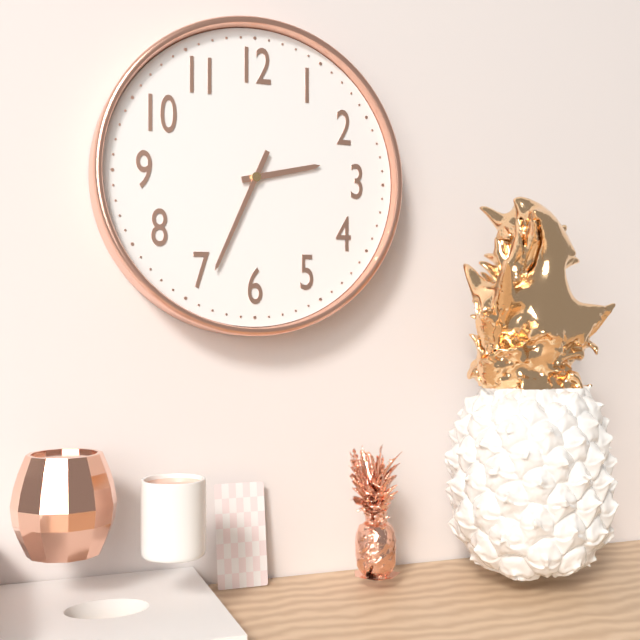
2h34
